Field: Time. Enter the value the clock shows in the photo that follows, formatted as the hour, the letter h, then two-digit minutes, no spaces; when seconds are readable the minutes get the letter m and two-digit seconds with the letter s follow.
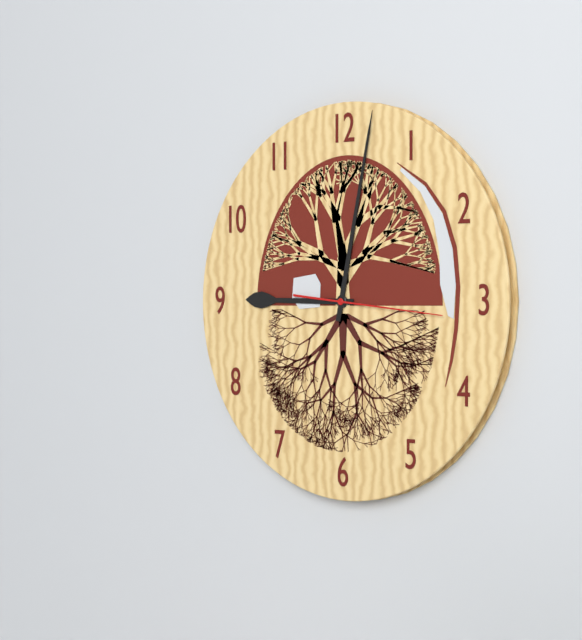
9h02m16s
